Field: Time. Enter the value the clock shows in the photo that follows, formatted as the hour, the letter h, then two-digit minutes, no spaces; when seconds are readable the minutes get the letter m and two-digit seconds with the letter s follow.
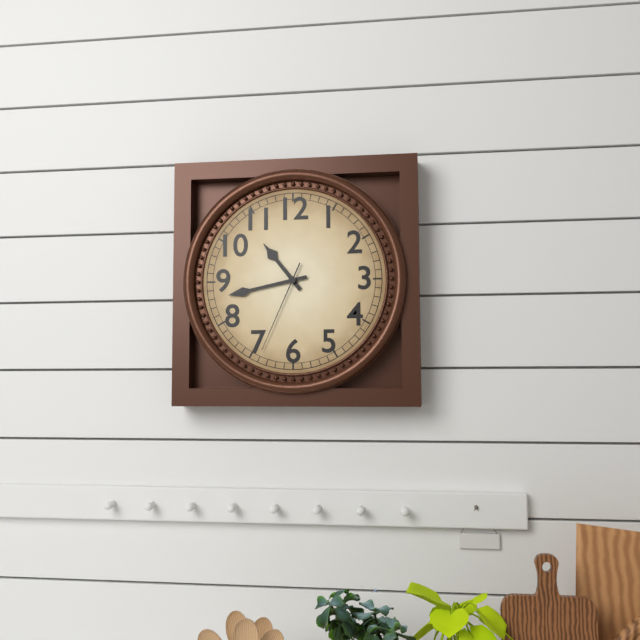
10h43m34s
